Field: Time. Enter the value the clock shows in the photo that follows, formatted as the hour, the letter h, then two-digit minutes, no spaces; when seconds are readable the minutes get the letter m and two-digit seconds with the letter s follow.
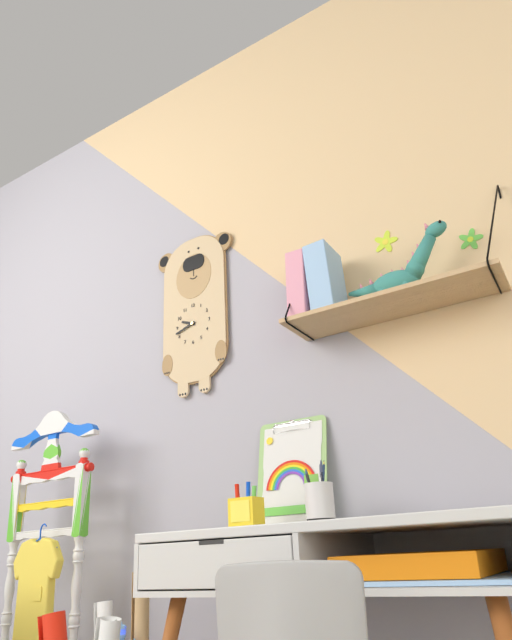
9h42
